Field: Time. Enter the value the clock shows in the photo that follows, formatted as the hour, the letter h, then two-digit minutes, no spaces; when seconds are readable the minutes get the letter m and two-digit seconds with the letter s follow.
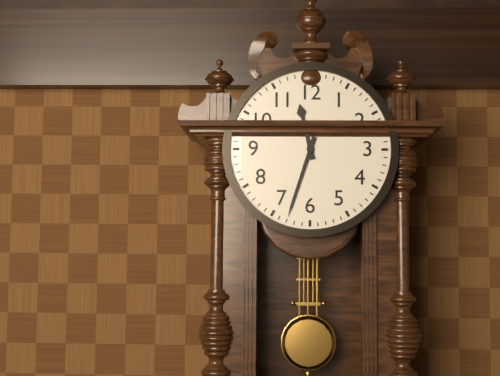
11h33
